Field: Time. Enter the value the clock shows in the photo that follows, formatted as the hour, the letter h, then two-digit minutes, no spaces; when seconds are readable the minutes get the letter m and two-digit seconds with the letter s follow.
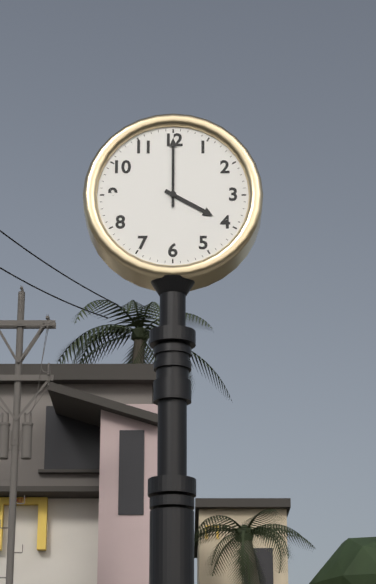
4h00
